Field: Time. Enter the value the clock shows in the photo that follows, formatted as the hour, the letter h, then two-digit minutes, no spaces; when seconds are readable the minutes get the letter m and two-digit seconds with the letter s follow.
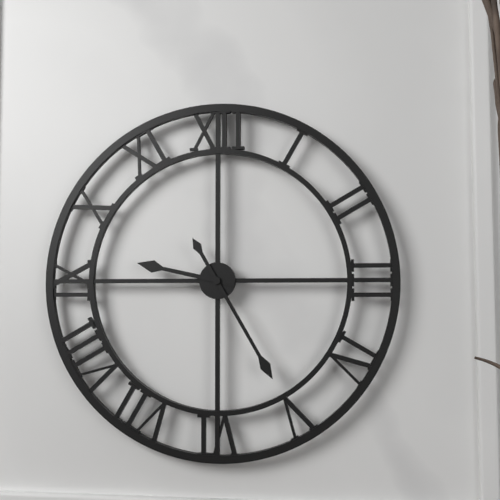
9h25
